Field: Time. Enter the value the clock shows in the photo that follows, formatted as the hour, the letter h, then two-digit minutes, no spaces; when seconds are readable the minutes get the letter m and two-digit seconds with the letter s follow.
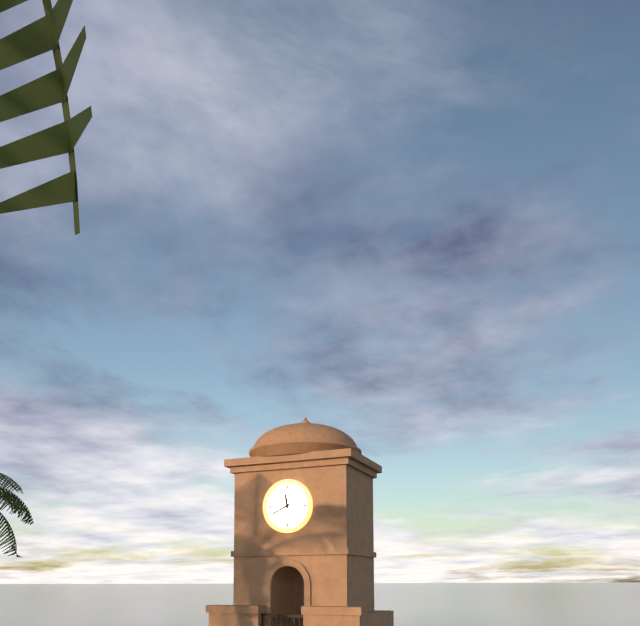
11h41
